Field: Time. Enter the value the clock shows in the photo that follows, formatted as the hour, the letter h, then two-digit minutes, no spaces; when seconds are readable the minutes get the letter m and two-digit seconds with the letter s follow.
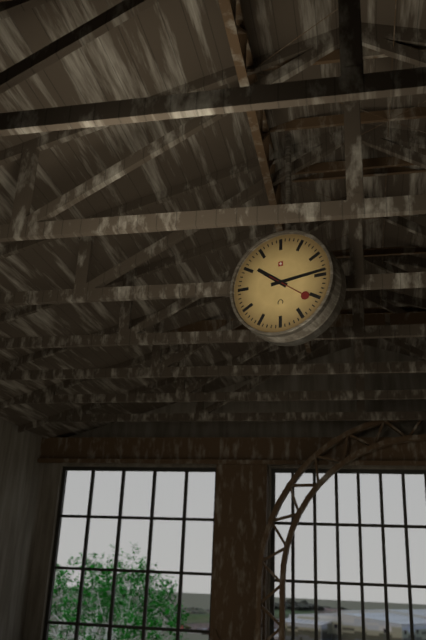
10h14
